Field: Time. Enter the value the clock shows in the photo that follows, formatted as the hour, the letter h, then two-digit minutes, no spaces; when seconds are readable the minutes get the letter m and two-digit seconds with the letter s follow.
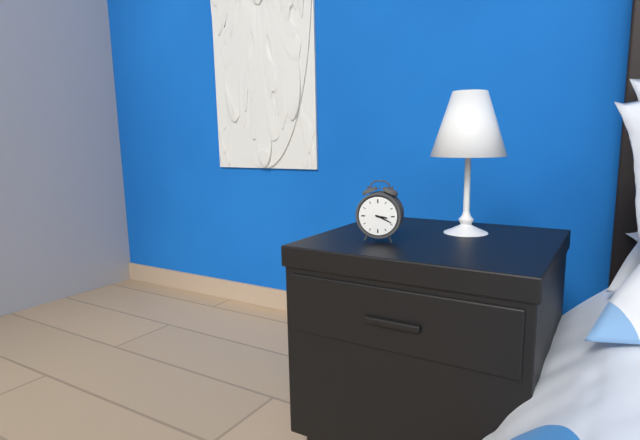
3h19
